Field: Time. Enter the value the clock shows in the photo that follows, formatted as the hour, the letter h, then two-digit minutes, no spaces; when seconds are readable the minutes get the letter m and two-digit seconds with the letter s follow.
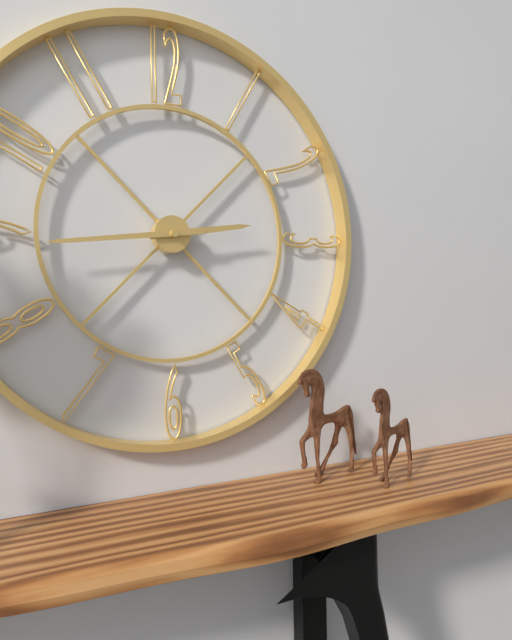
2h44
